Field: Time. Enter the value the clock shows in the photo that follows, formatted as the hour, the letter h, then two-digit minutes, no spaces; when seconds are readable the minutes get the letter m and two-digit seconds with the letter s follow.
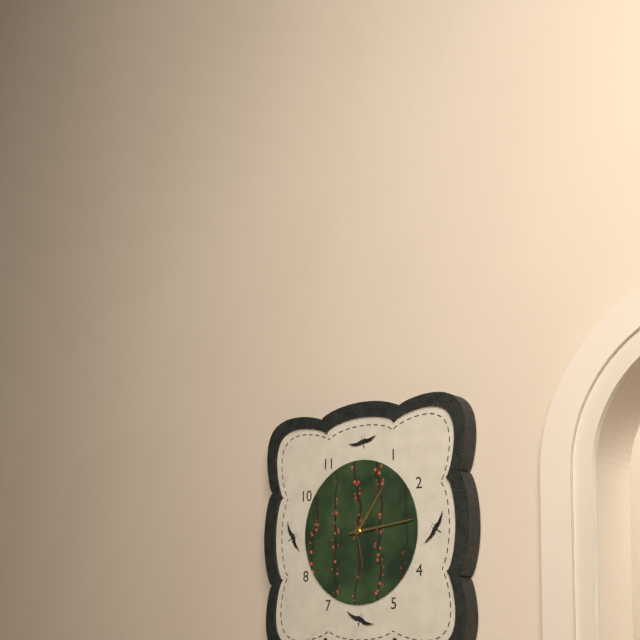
1h14
